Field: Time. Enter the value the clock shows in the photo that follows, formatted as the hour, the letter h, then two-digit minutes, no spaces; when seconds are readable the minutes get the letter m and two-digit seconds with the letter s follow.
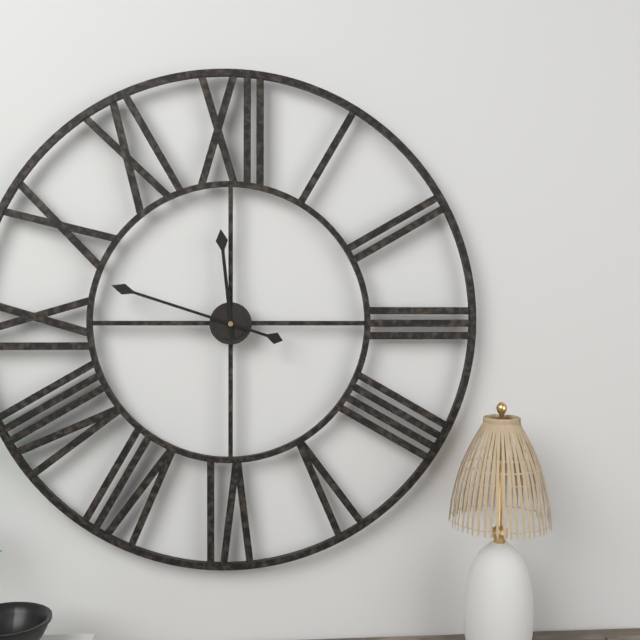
11h48
